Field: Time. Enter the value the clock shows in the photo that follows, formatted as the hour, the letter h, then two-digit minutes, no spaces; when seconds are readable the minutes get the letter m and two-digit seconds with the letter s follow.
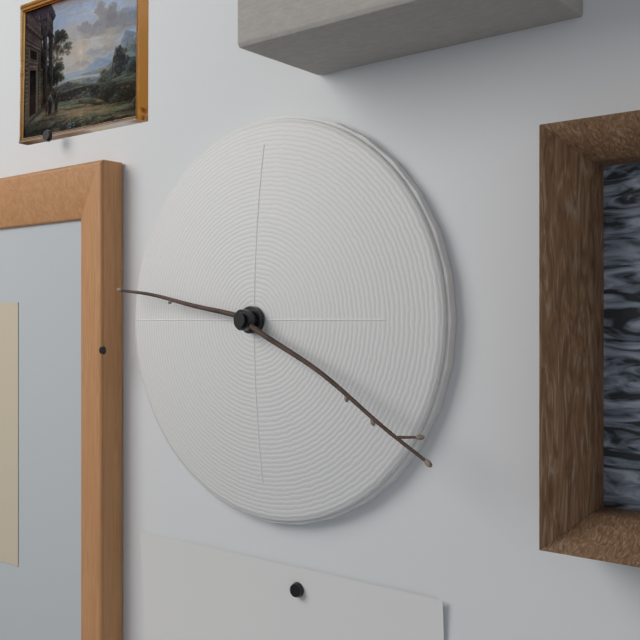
9h20
